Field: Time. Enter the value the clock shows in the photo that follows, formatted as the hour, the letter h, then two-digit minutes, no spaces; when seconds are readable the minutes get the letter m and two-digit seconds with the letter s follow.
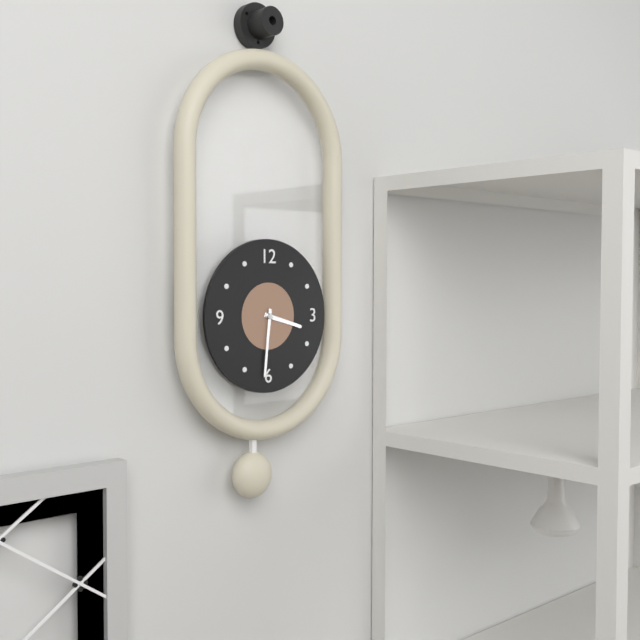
3h31
